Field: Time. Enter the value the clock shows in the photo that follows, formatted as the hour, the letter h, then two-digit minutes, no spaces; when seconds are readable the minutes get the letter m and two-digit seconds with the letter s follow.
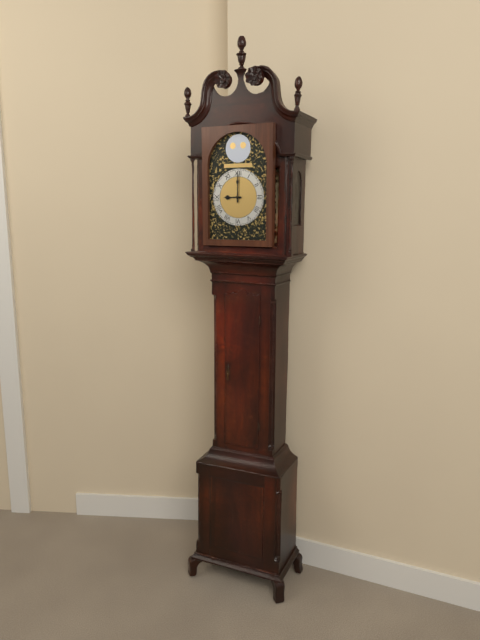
9h00
